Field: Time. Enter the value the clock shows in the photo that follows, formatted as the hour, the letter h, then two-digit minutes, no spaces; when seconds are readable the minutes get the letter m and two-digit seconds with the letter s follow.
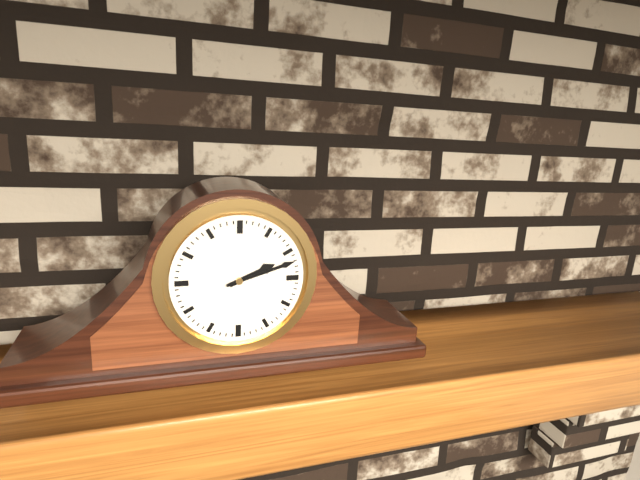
2h12
